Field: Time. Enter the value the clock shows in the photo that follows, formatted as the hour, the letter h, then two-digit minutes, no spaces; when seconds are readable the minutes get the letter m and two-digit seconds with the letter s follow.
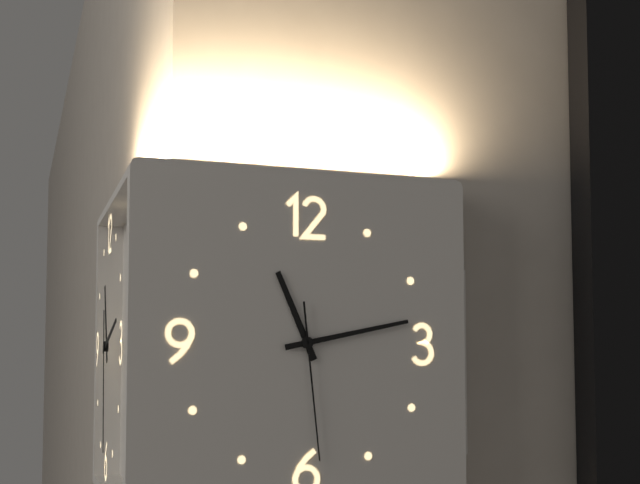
11h13m29s
